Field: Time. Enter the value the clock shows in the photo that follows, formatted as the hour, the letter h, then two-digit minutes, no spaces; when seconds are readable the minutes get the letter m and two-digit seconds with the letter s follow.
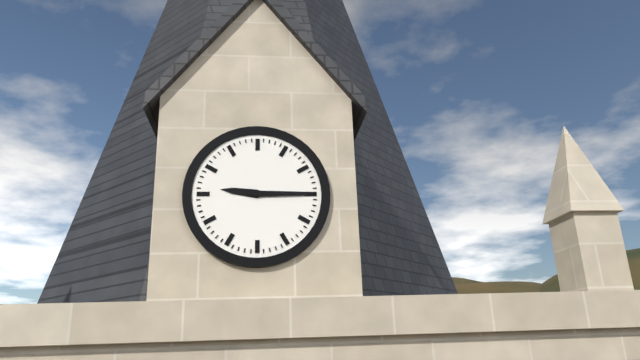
9h15
